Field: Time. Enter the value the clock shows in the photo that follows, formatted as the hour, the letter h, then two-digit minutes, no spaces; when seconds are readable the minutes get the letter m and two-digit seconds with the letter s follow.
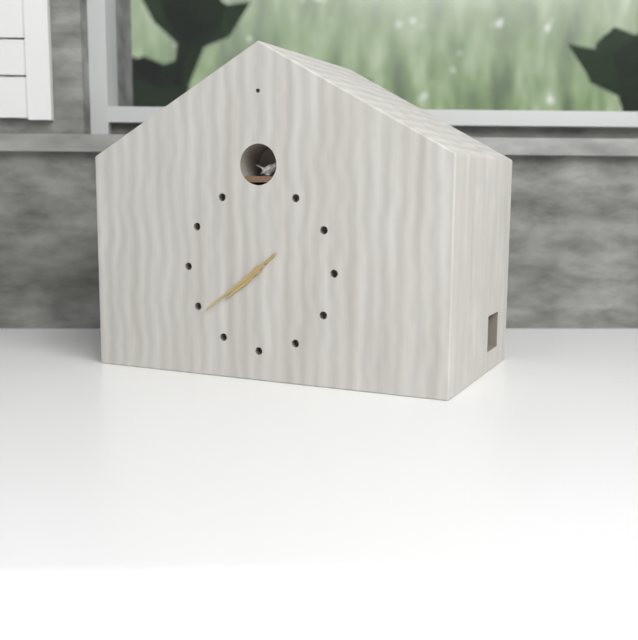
7h39
